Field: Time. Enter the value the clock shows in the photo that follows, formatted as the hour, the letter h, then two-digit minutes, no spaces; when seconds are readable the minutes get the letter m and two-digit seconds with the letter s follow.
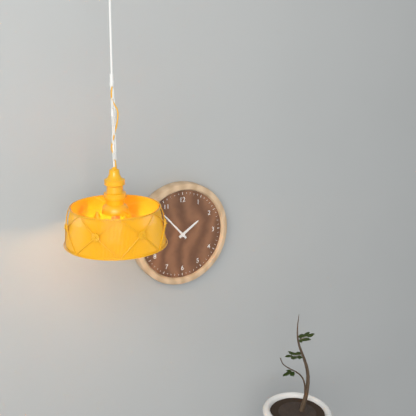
1h53
